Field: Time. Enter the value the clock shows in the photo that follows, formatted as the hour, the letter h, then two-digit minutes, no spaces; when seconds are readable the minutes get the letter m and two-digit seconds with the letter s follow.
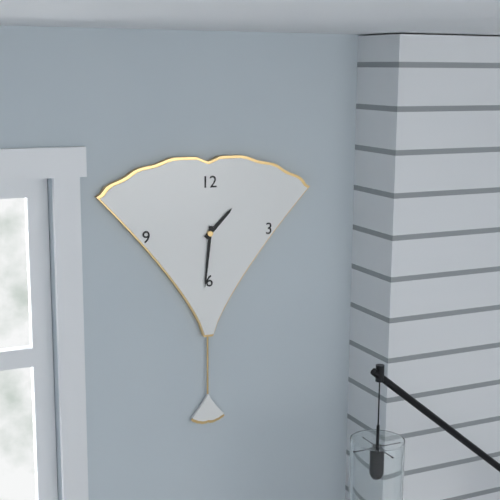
1h31
